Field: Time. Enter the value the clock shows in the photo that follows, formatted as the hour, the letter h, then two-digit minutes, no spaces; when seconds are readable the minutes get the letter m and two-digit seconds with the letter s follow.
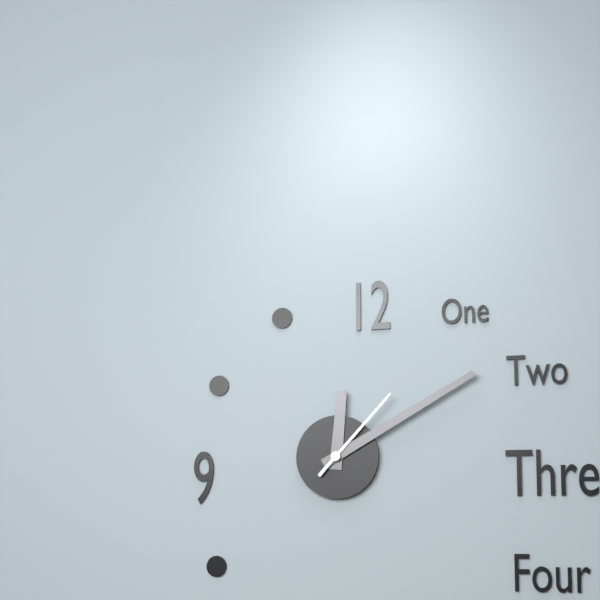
12h10m07s
